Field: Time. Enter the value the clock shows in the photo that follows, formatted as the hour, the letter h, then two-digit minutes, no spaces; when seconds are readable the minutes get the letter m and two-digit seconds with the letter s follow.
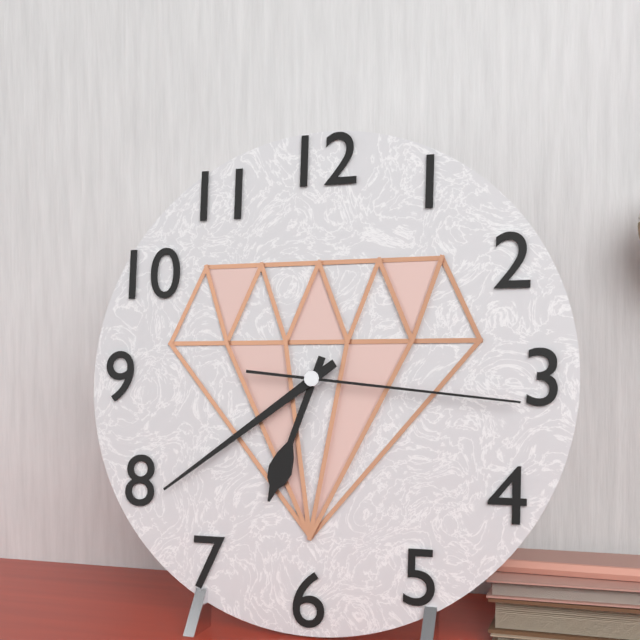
6h39m16s
